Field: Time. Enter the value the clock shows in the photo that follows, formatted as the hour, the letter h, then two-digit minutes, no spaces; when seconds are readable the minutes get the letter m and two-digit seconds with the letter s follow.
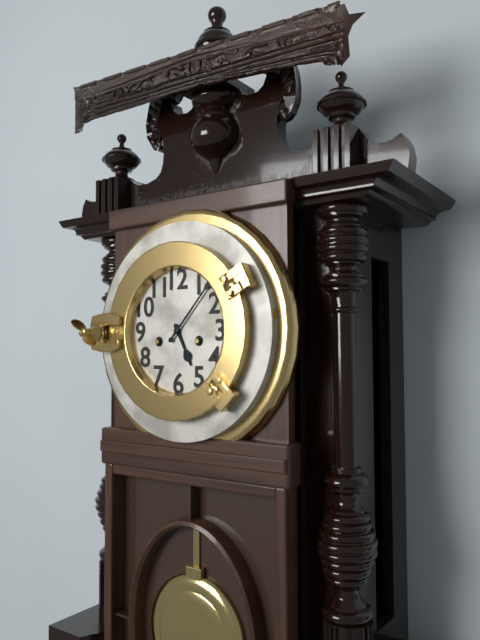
5h07
